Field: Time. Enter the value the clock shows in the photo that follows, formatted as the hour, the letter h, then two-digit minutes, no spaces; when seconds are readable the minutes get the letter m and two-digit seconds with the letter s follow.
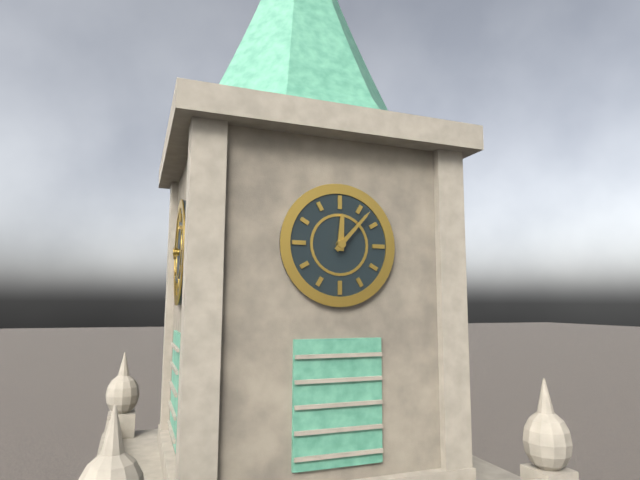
12h07
